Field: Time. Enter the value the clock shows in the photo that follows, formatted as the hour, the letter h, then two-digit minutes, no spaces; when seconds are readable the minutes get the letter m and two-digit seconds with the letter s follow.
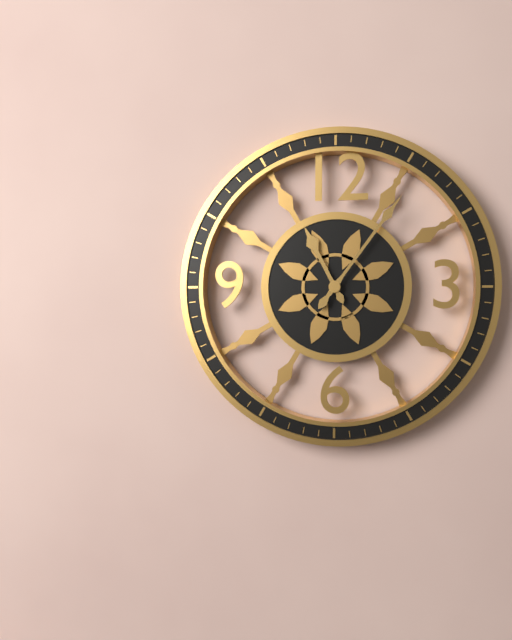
11h06
